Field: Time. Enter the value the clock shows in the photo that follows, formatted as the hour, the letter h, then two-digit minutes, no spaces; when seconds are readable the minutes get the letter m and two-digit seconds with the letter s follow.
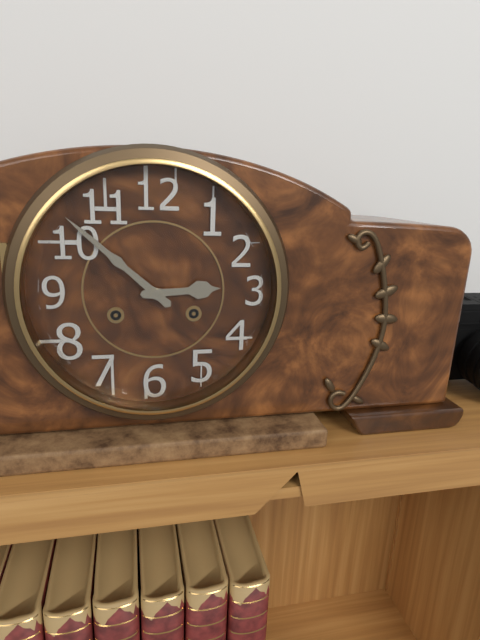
2h52
